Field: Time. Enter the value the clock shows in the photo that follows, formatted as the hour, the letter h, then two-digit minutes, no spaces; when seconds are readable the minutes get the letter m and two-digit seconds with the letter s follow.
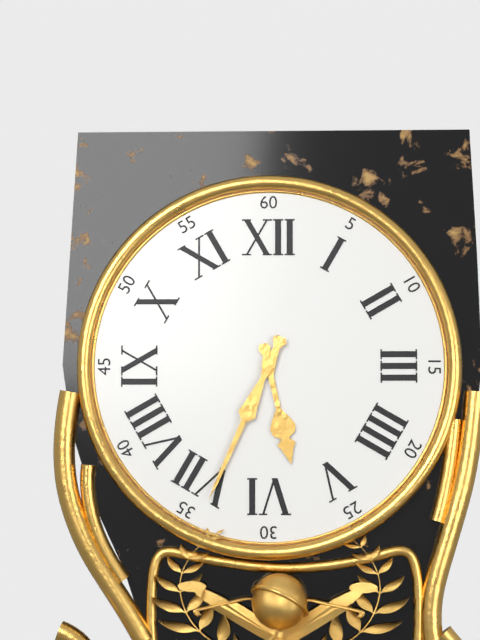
5h34
